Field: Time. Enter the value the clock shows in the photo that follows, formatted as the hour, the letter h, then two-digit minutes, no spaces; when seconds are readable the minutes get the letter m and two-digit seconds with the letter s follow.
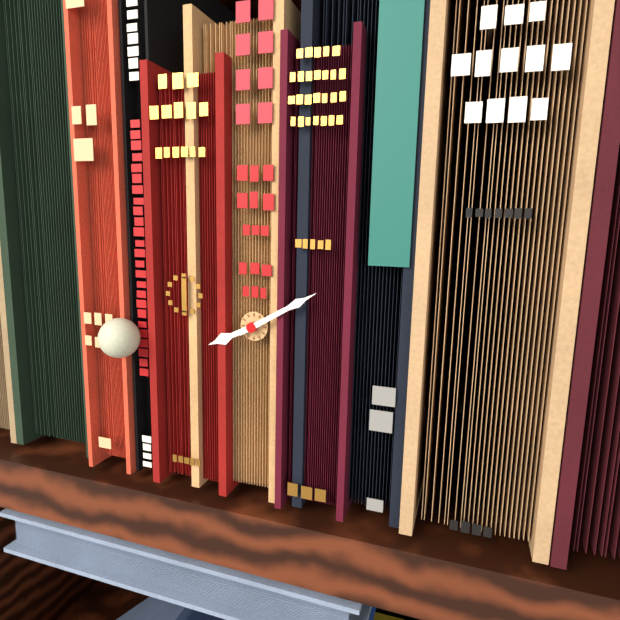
8h10
